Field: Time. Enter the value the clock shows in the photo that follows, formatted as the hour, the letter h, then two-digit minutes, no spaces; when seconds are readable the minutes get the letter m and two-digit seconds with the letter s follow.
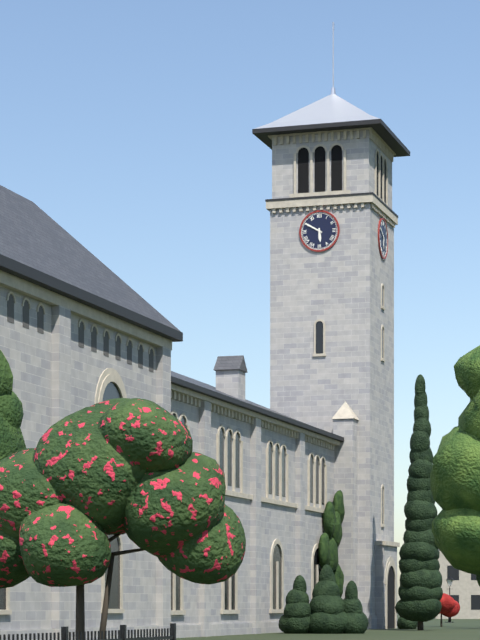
5h50
